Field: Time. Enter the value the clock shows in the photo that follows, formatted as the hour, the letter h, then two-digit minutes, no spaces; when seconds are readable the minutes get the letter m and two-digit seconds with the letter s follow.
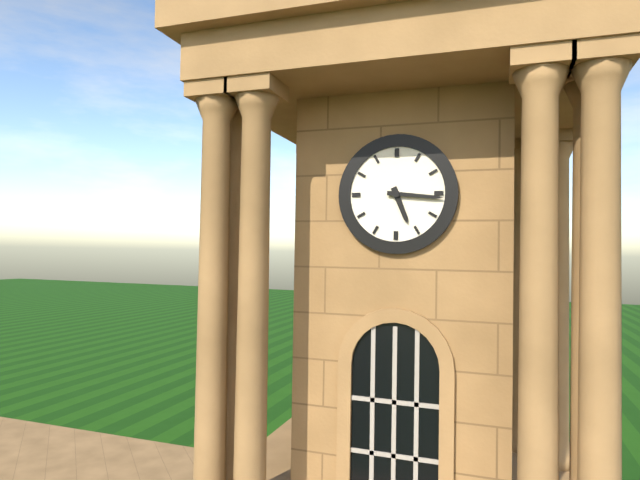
5h16
